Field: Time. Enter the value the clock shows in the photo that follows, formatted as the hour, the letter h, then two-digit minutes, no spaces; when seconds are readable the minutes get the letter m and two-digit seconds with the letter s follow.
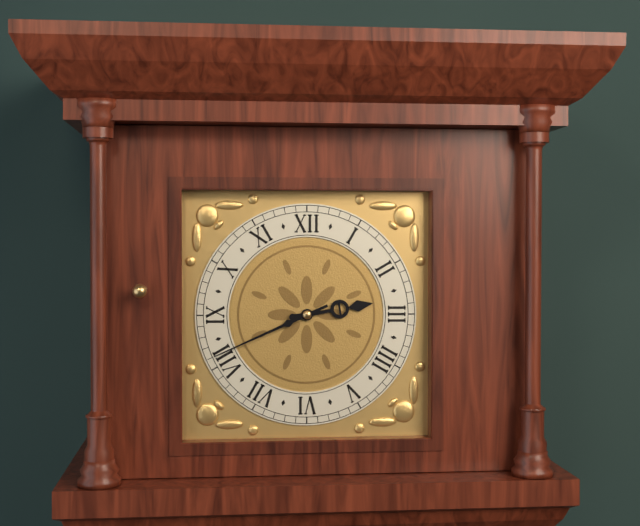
2h41
